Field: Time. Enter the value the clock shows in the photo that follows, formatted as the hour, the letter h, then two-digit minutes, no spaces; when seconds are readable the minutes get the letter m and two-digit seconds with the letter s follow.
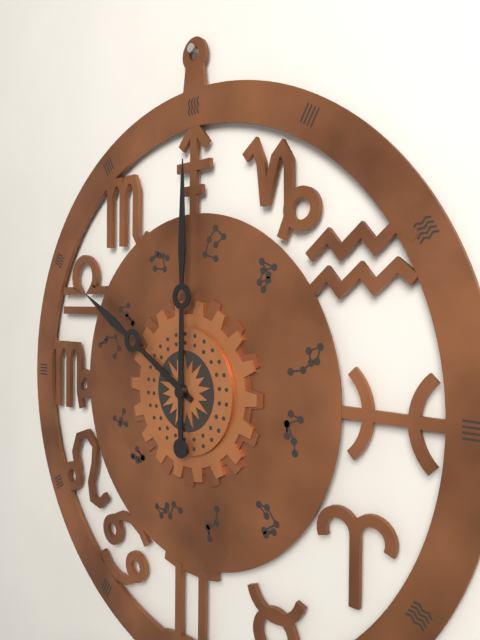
10h00
